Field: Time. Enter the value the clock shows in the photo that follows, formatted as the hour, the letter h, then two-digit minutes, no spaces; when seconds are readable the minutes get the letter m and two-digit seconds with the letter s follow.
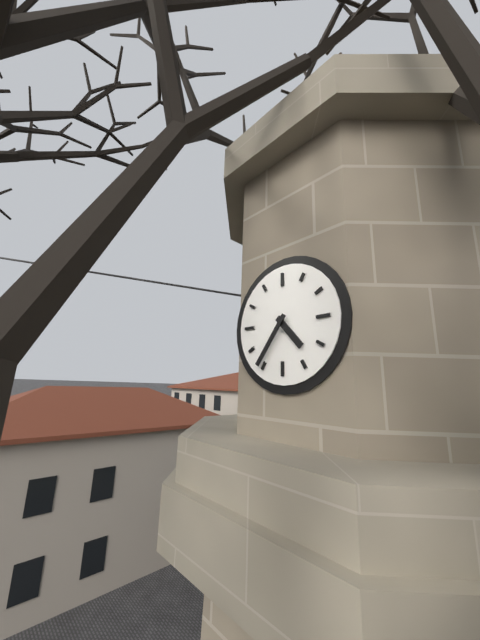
4h36
